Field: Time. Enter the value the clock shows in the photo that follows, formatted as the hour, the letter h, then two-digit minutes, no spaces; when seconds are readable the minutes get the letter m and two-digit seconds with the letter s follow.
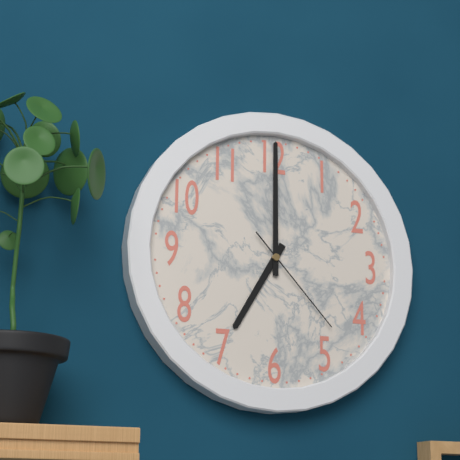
7h00m23s
